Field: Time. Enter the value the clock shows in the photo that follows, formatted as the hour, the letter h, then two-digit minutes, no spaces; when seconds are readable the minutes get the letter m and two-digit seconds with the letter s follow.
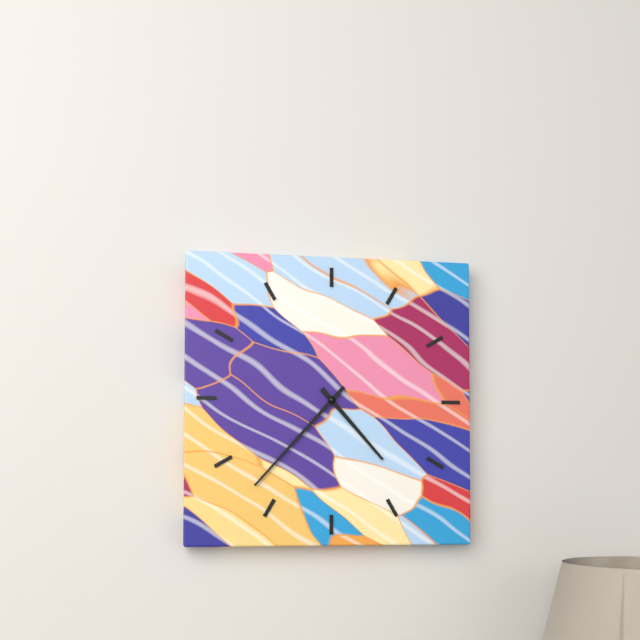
4h37
